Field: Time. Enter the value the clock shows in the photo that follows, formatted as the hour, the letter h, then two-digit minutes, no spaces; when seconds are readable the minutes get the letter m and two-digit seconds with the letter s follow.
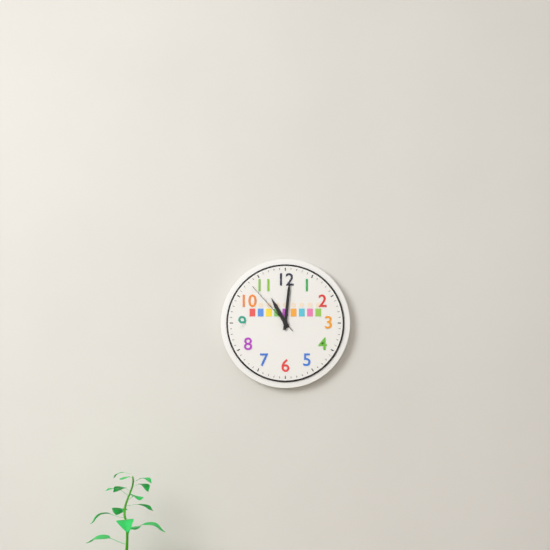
11h01m53s
